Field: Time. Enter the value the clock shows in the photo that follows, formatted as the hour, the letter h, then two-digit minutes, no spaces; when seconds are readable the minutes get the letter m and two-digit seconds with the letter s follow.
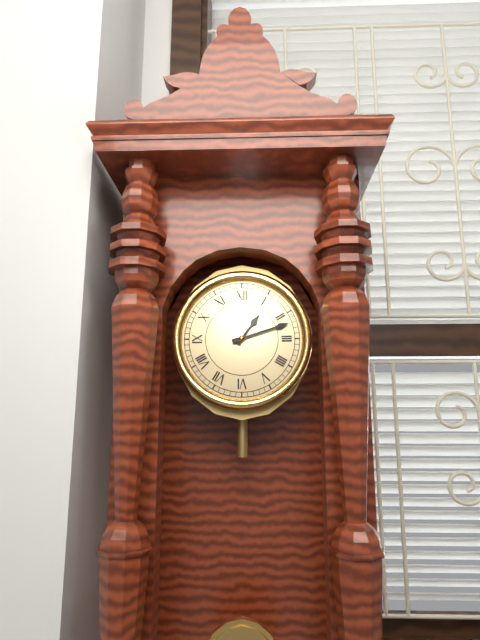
1h12
